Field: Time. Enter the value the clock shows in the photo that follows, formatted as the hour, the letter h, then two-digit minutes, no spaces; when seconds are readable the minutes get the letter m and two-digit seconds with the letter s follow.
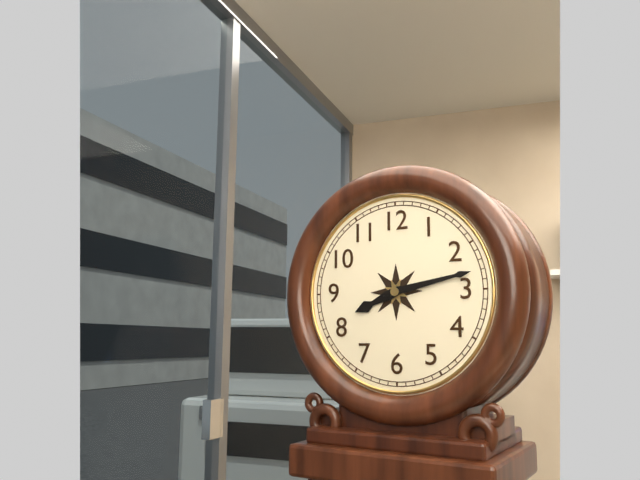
8h13
